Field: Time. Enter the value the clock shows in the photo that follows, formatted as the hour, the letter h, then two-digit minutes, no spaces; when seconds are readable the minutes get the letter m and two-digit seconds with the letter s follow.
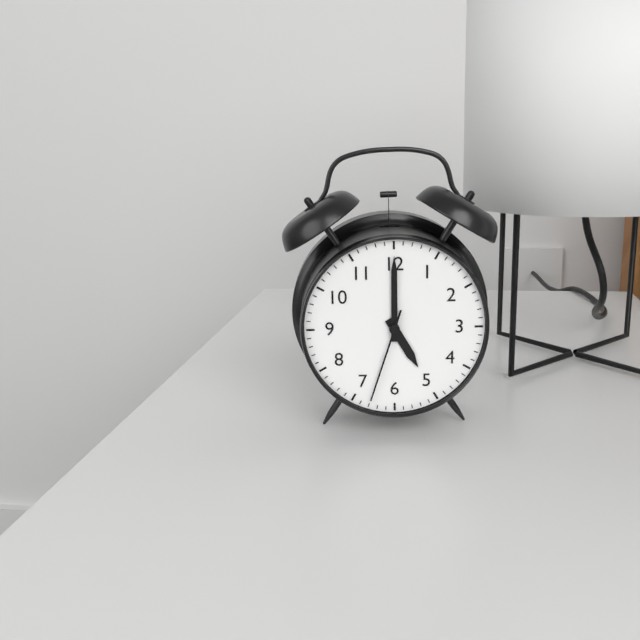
5h00m33s
